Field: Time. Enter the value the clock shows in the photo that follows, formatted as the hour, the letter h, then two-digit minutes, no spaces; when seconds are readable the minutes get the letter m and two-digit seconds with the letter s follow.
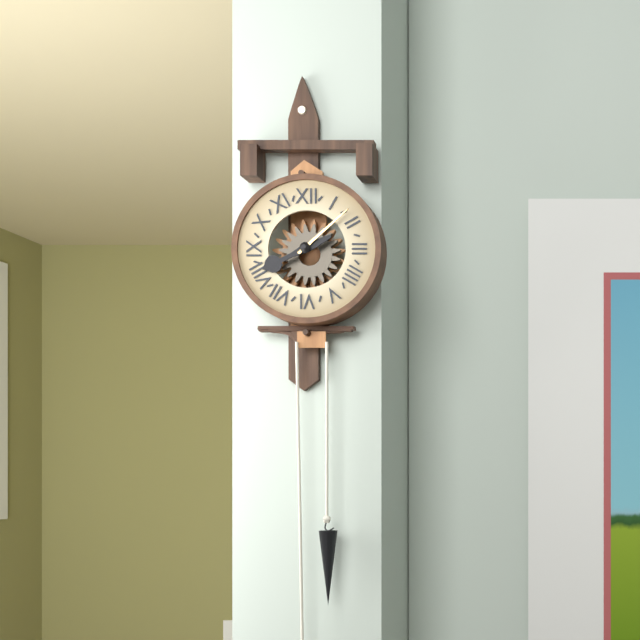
8h08
